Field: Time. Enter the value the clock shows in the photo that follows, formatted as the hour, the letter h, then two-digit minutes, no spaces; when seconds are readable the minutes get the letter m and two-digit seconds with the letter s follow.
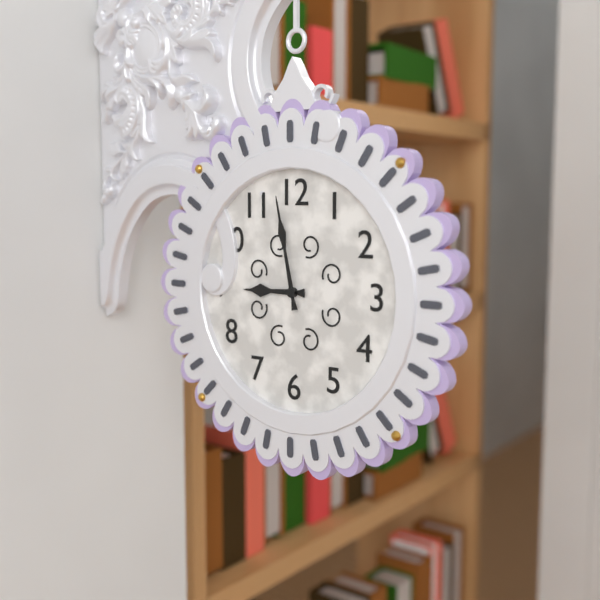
8h58
